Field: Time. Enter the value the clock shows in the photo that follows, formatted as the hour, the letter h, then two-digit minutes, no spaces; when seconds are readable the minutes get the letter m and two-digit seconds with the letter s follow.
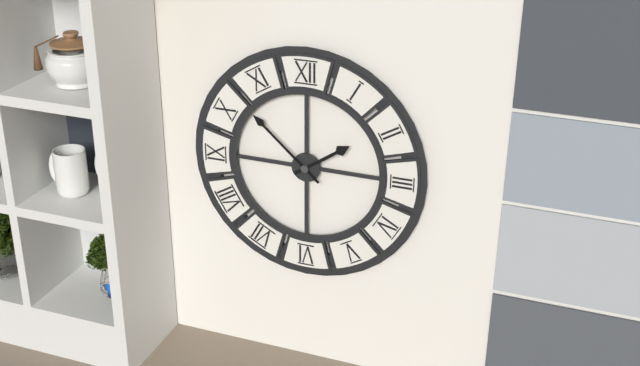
1h52
